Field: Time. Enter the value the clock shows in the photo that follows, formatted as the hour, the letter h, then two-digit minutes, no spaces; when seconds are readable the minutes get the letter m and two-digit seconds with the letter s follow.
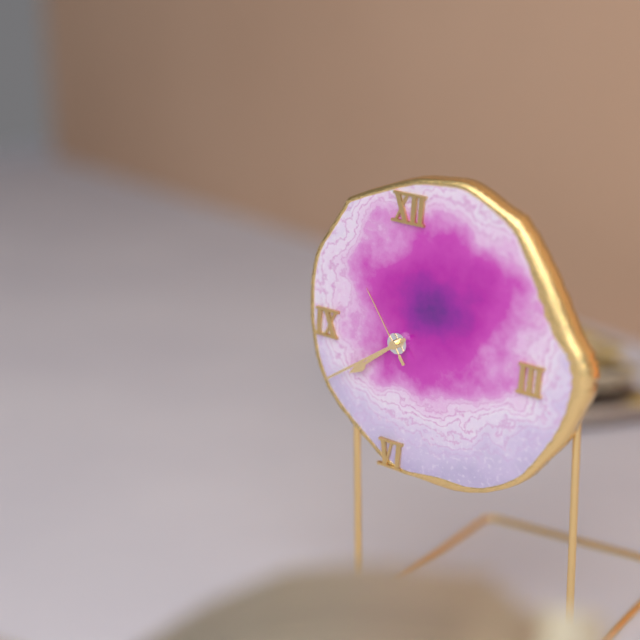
7h39m54s
